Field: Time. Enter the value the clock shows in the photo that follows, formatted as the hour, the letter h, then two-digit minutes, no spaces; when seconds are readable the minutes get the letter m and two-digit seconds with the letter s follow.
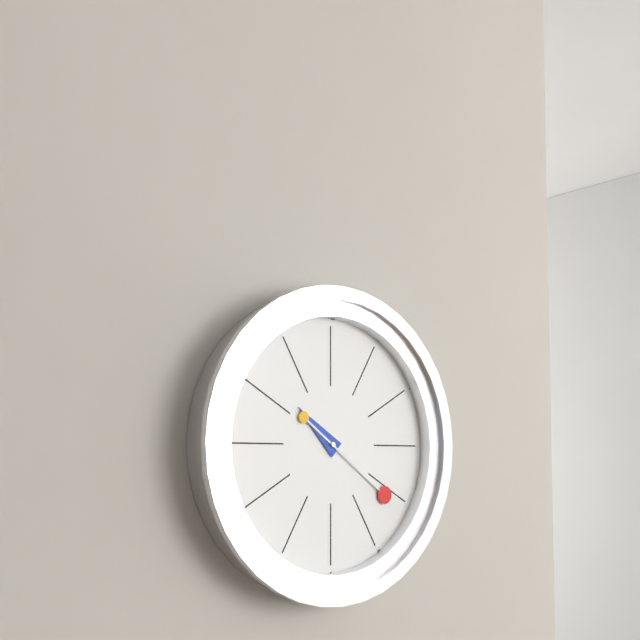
10h21
